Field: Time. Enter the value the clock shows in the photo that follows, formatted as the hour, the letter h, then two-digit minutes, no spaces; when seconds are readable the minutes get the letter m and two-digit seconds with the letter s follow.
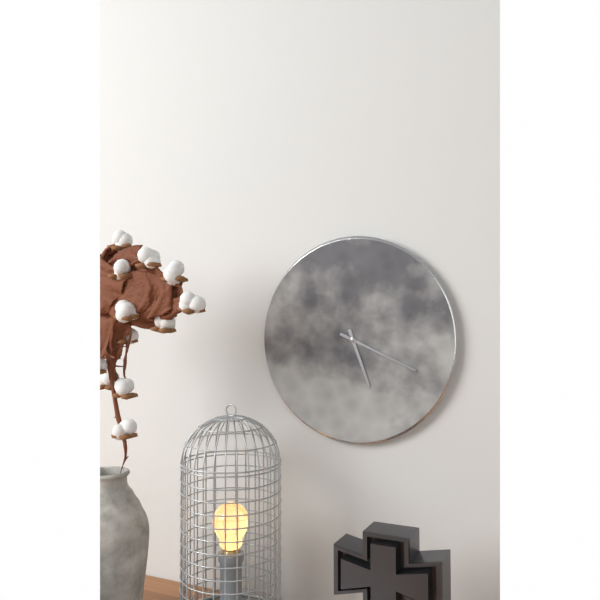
5h19
